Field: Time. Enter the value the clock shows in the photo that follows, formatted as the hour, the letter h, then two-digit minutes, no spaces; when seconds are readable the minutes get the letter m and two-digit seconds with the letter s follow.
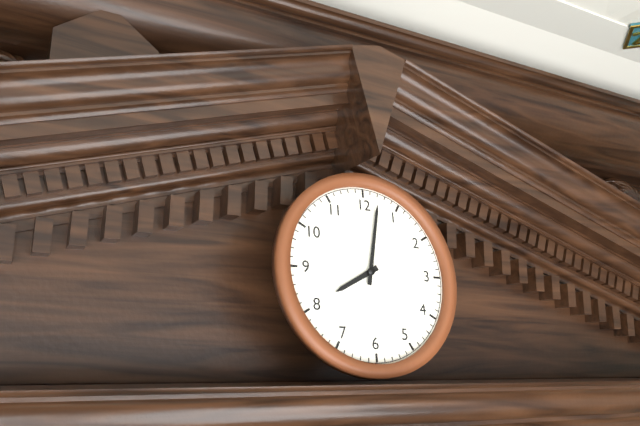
8h02
